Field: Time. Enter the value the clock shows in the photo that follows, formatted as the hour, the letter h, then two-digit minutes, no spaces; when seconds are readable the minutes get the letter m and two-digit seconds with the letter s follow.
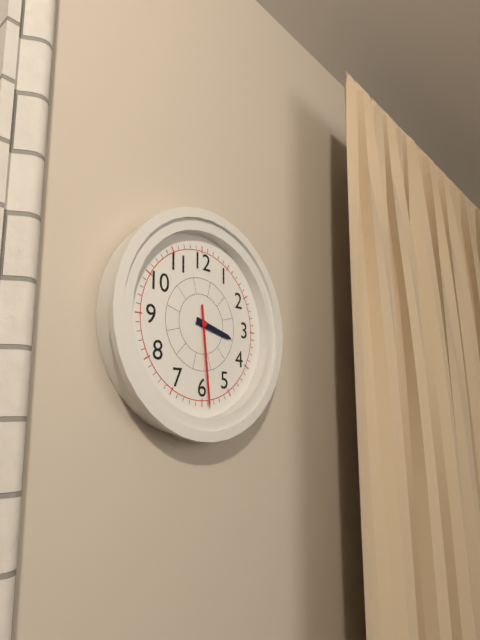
3h29
